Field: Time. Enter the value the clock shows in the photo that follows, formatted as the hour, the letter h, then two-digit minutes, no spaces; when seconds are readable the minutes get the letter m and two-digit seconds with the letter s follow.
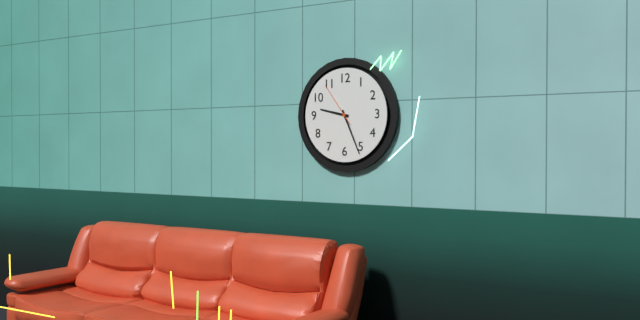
9h26
